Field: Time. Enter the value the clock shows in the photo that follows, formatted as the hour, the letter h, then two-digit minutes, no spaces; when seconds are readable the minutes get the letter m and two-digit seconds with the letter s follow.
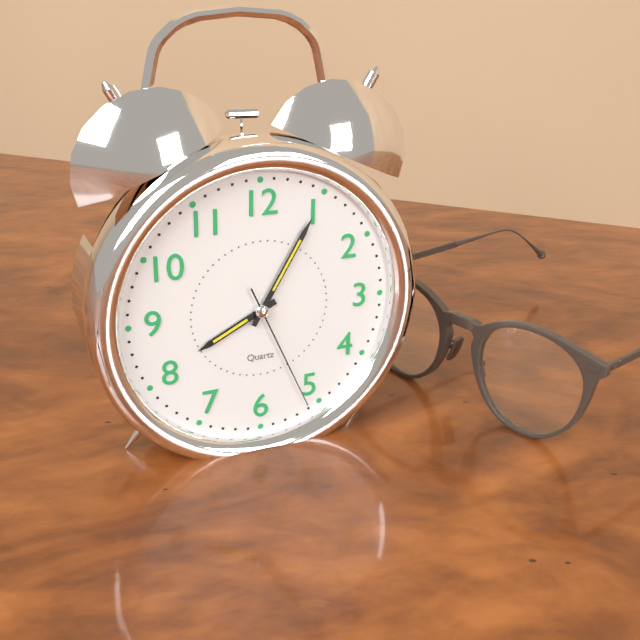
8h05m26s
